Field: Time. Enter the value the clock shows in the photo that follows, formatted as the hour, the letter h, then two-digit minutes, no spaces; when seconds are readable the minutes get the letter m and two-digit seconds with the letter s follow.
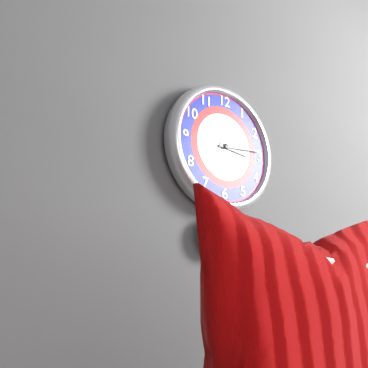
3h14
